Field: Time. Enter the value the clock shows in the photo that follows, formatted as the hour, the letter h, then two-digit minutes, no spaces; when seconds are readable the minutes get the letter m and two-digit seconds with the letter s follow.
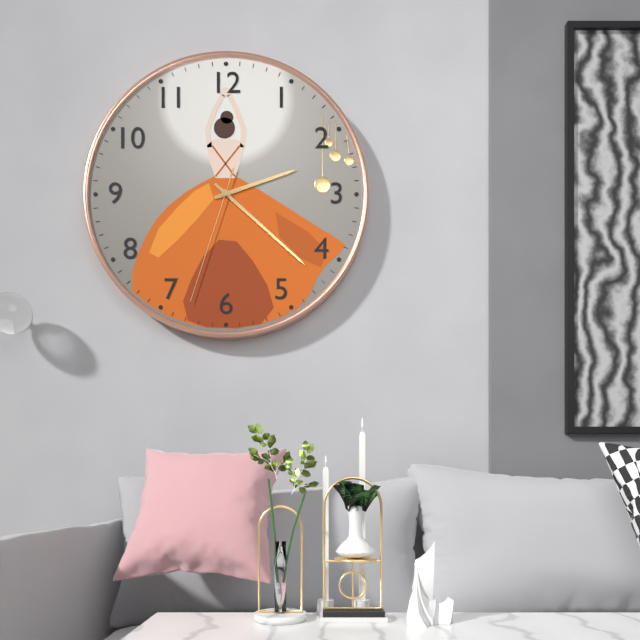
2h22m33s
